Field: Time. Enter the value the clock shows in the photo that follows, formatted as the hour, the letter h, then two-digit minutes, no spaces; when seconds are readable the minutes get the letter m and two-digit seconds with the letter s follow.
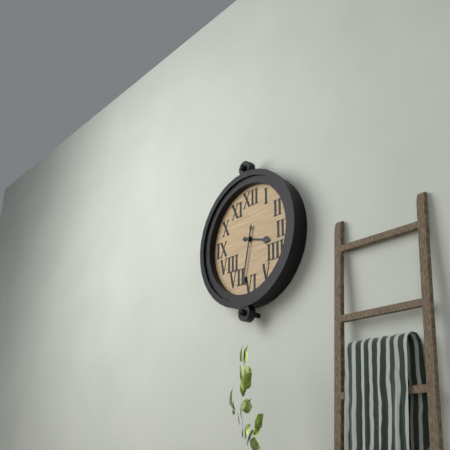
3h32
